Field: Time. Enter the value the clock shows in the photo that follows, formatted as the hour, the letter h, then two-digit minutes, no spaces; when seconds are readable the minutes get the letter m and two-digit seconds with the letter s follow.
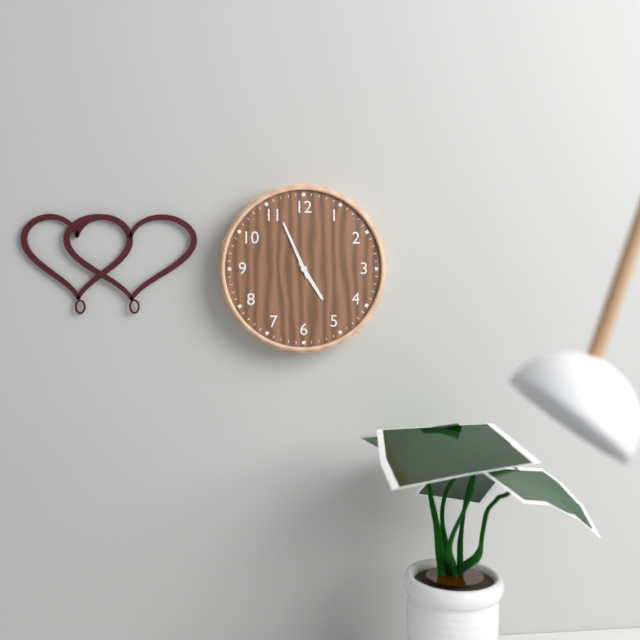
4h56
